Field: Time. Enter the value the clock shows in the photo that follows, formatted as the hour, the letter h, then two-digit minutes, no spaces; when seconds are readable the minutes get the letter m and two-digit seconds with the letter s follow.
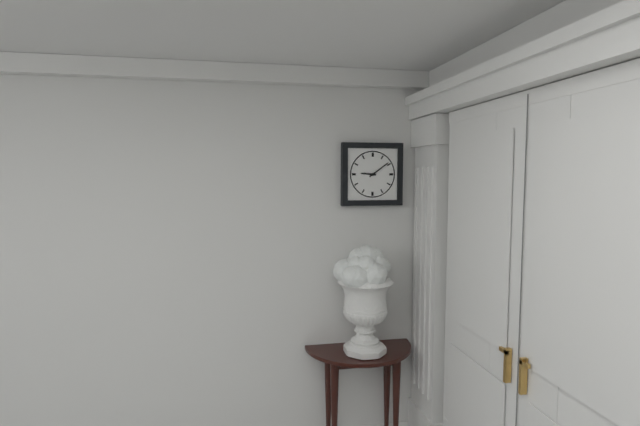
9h09
